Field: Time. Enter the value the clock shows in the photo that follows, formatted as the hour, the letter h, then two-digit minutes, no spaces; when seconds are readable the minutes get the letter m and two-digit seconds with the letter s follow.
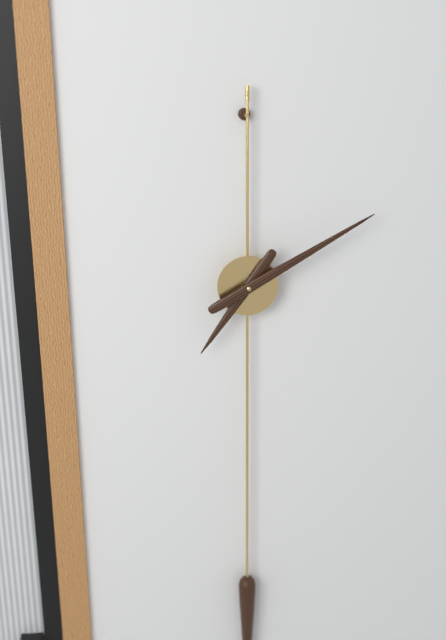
7h10
